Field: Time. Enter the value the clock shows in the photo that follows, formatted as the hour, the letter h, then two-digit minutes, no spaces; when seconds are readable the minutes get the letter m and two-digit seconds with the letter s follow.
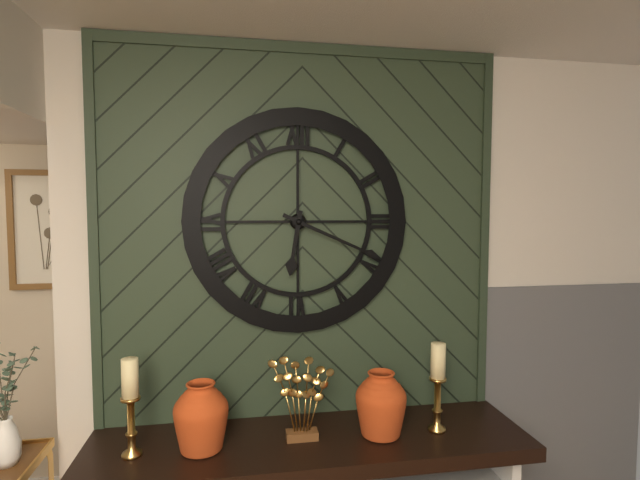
6h19
